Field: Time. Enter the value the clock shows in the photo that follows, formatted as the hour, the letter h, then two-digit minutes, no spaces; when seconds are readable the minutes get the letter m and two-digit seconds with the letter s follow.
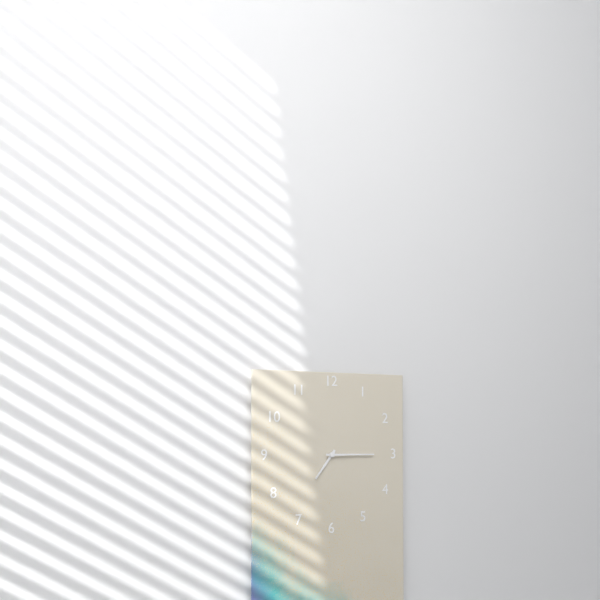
7h15
